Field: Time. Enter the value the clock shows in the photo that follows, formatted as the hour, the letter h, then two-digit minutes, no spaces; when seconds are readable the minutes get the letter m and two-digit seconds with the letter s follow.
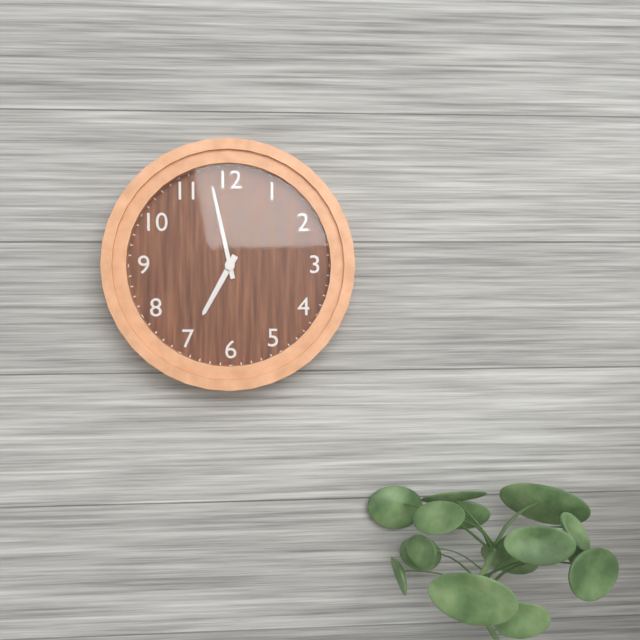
6h58
